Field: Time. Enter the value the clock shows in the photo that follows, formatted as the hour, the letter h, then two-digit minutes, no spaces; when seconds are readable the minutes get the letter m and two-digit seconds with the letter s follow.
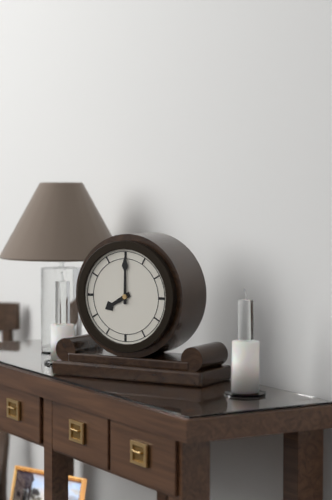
8h00
